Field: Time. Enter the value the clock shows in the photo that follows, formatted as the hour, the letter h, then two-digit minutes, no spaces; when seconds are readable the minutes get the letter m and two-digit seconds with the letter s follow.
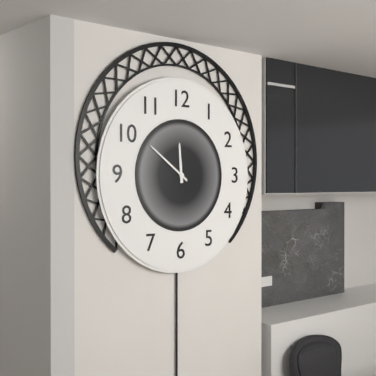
11h51
